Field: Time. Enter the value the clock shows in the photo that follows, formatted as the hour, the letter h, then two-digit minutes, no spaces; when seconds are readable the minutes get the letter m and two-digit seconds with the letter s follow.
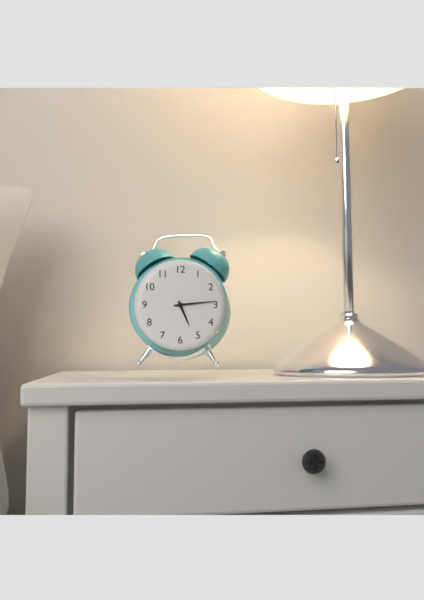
5h14
